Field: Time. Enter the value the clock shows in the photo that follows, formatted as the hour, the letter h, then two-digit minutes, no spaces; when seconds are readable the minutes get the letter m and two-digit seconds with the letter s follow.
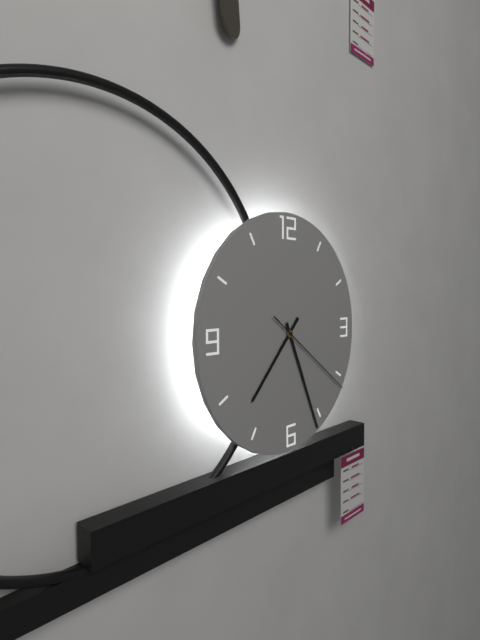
7h26m21s
